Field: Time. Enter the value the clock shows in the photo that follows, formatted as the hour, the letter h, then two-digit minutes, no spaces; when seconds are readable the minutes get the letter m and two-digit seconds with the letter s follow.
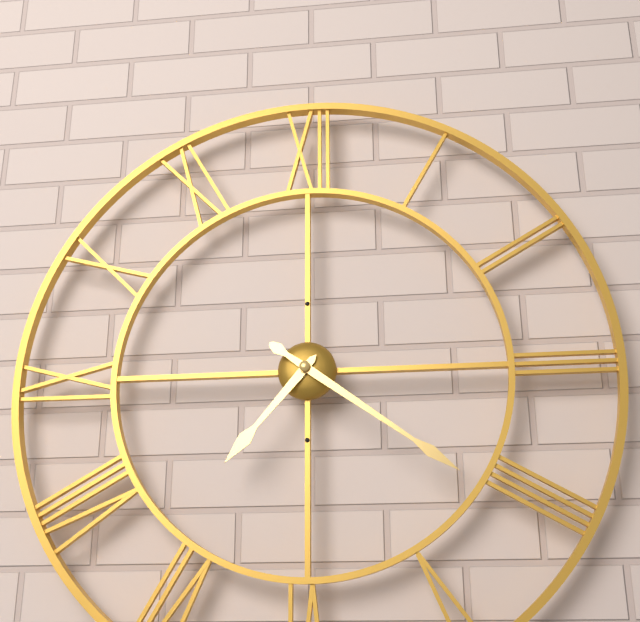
7h21
